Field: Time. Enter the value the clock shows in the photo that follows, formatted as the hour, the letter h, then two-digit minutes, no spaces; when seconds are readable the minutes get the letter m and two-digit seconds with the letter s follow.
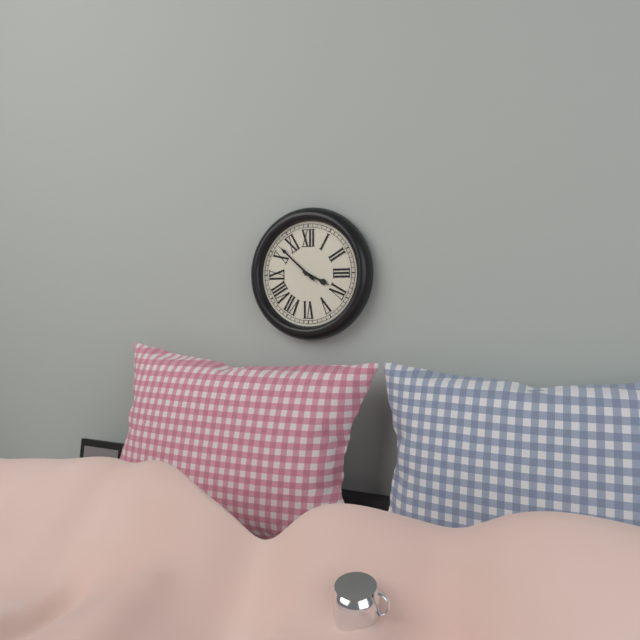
3h52m52s
